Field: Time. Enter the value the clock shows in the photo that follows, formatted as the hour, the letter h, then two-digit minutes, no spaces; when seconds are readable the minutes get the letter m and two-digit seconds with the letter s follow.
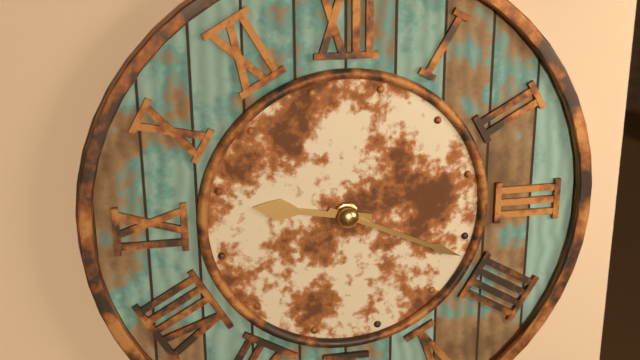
9h19
